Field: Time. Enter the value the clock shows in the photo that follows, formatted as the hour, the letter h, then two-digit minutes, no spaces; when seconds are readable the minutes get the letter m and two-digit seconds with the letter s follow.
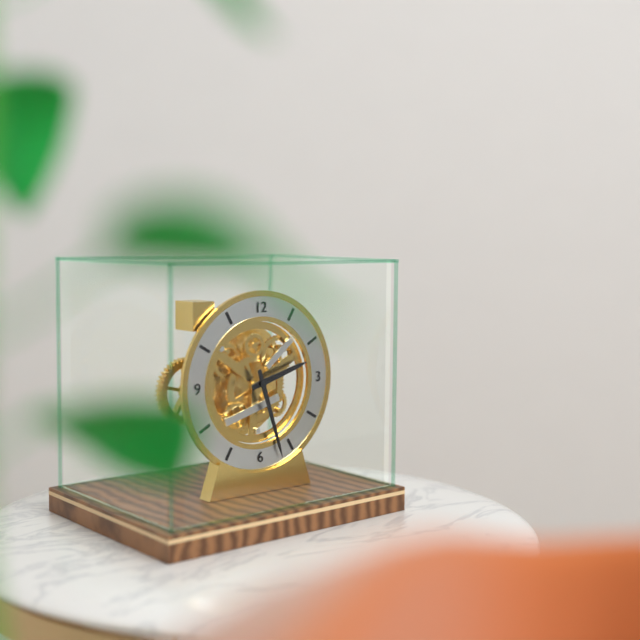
2h27
